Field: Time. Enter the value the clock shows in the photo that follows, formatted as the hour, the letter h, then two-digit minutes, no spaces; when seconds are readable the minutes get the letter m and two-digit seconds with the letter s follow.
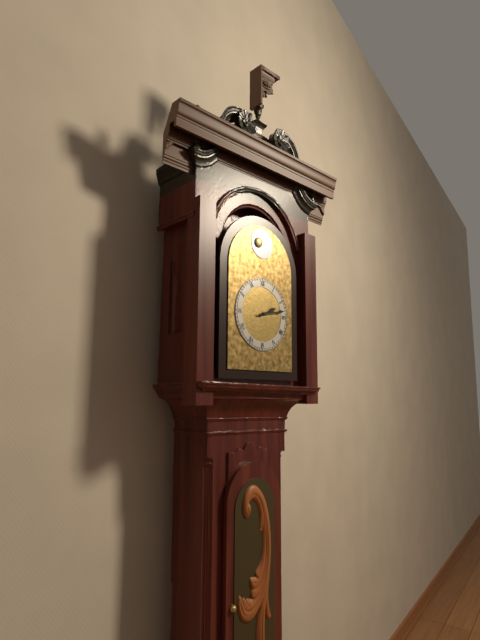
2h13
